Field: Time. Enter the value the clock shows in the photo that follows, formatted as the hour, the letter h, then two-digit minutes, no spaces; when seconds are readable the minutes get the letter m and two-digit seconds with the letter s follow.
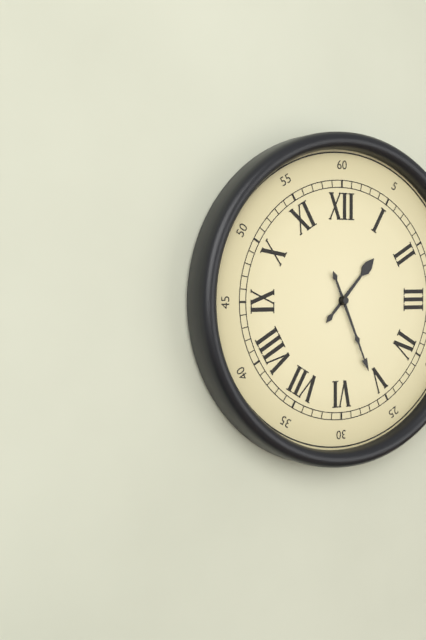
1h26
